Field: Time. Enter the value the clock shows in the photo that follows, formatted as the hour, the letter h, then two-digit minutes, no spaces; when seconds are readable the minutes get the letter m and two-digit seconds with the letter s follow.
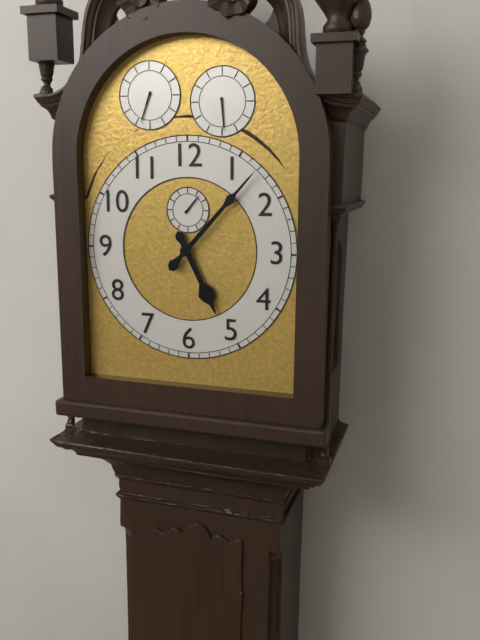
5h07
